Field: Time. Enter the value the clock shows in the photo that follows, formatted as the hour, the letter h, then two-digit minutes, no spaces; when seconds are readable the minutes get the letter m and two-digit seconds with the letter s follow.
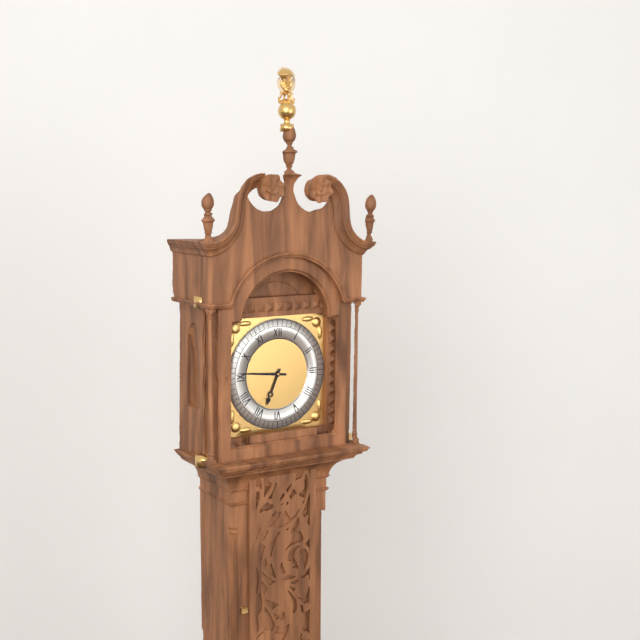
6h46
